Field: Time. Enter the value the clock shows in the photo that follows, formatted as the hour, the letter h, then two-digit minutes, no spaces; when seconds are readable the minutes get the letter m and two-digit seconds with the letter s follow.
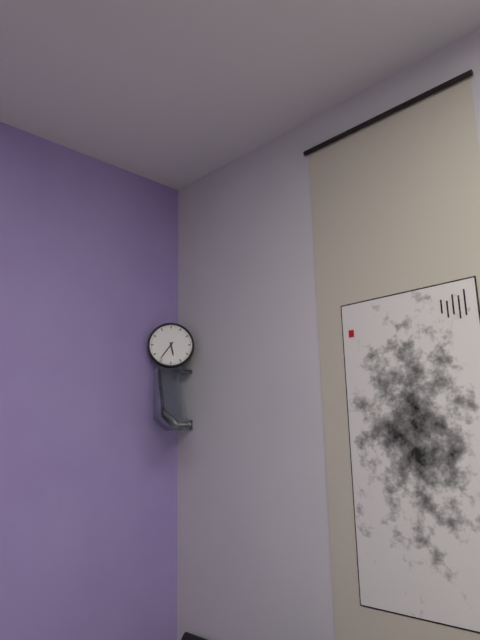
5h36
